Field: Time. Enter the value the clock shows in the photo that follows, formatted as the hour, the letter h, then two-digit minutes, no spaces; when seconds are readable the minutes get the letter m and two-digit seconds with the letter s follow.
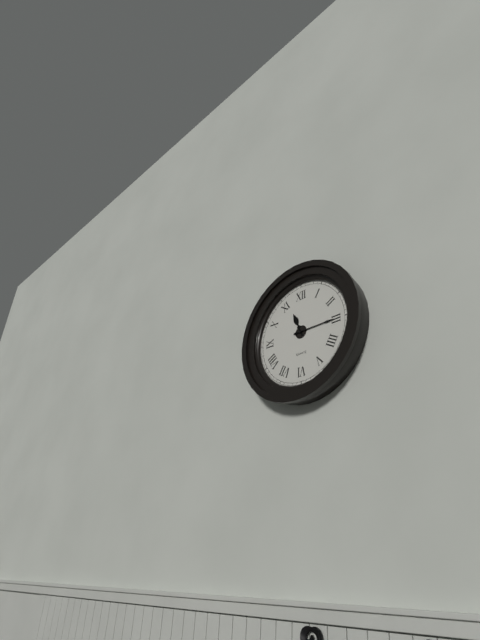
11h15
